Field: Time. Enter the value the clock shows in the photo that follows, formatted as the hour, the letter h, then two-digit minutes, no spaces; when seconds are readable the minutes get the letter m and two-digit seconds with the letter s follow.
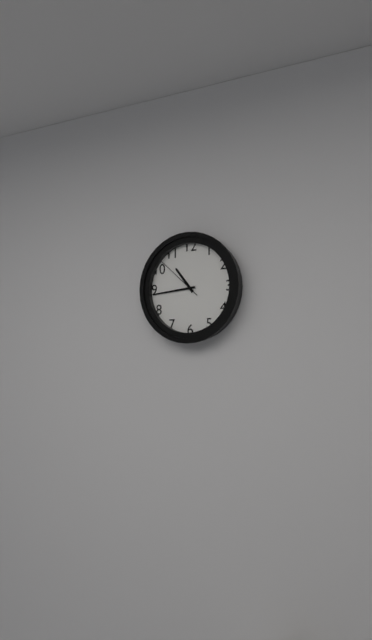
10h44m52s
